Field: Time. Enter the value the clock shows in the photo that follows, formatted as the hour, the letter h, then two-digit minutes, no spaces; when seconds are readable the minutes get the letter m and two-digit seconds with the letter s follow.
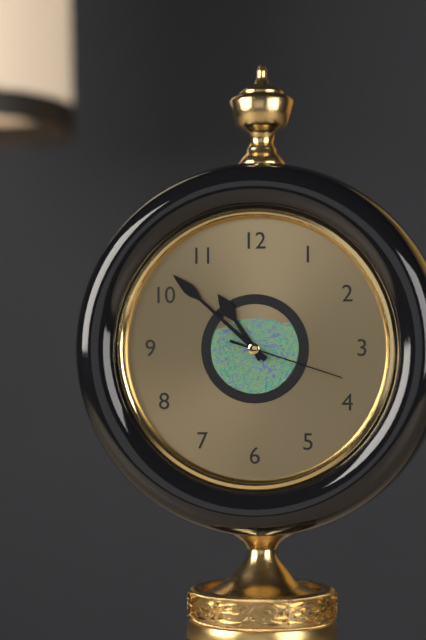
10h52m18s
